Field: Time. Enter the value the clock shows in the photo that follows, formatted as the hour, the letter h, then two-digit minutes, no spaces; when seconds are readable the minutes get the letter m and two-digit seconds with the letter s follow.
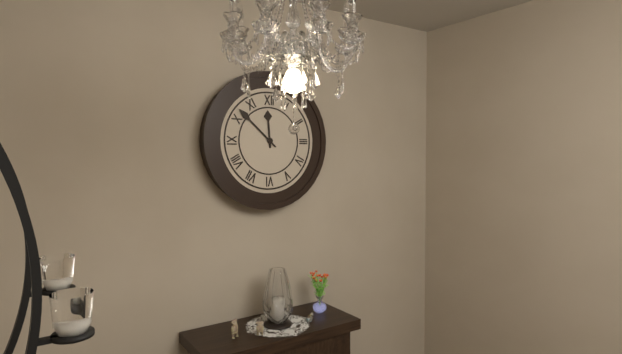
11h52
